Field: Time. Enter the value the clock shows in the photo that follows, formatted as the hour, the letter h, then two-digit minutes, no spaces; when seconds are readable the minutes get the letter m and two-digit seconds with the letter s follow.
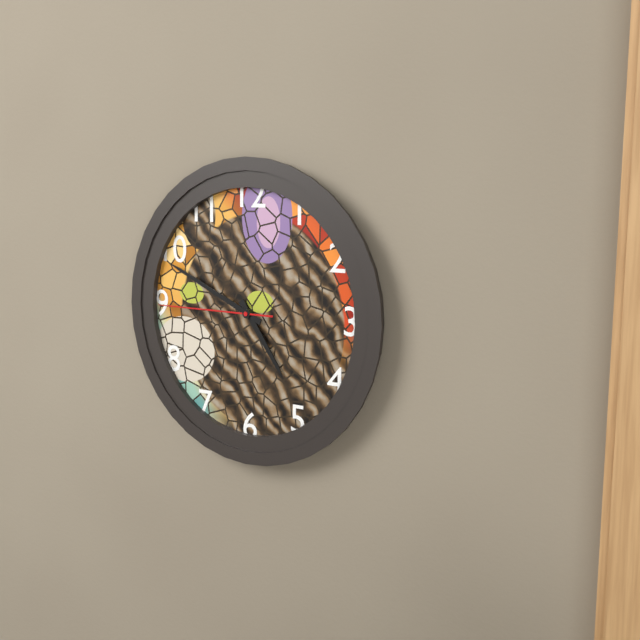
4h49m45s
